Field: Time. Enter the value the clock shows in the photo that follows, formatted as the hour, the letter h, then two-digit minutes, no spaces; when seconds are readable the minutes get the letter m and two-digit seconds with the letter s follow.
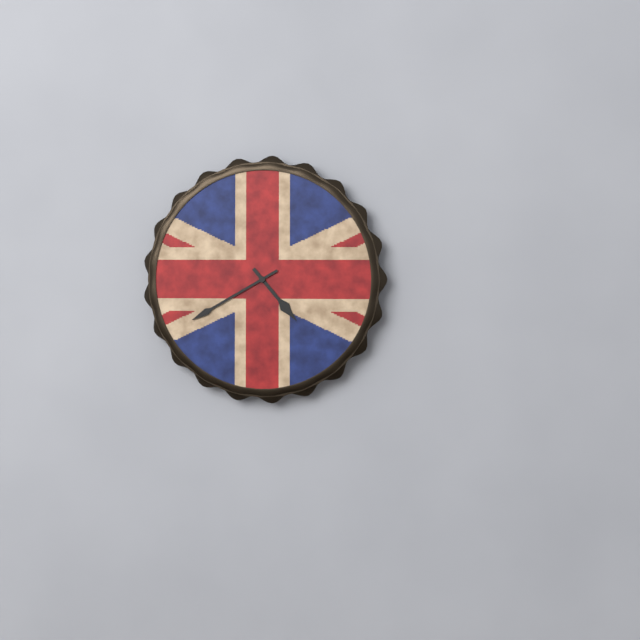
4h40
